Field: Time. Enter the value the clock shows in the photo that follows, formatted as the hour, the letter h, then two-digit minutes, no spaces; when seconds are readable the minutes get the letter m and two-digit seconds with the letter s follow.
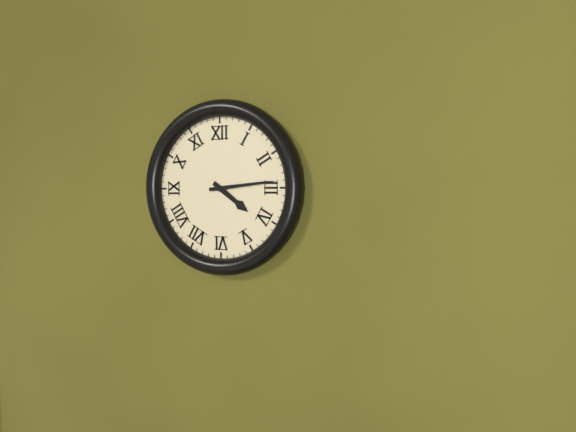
4h14
